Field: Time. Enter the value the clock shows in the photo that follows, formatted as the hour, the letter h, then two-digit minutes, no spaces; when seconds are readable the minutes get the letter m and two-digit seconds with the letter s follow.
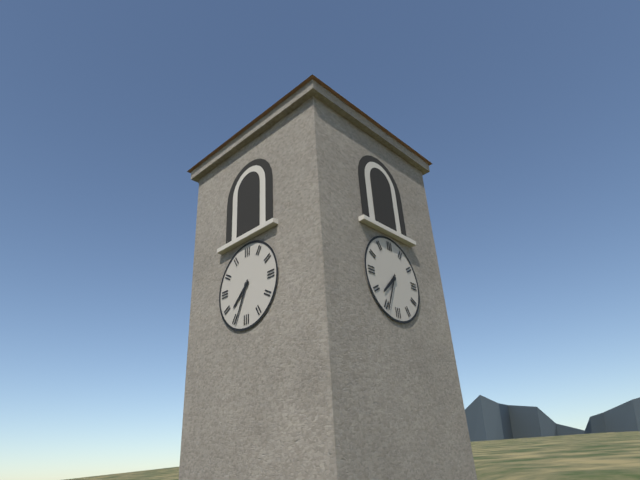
7h34
